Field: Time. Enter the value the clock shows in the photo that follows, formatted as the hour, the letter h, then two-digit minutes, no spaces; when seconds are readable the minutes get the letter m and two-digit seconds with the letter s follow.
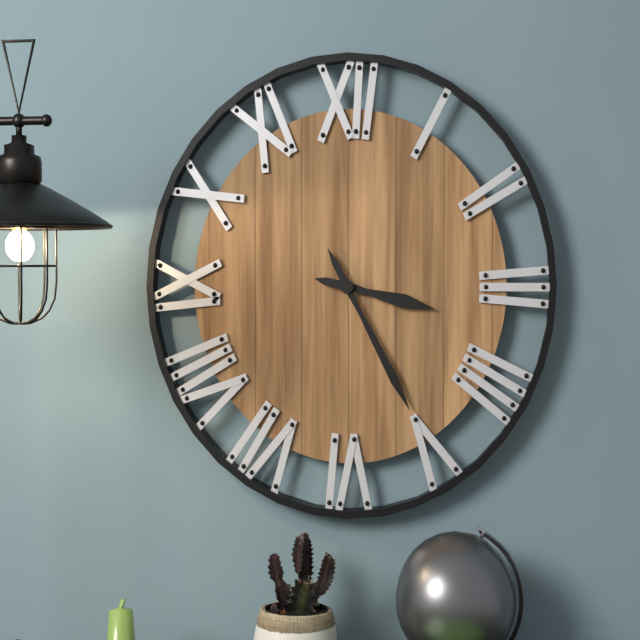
3h25
